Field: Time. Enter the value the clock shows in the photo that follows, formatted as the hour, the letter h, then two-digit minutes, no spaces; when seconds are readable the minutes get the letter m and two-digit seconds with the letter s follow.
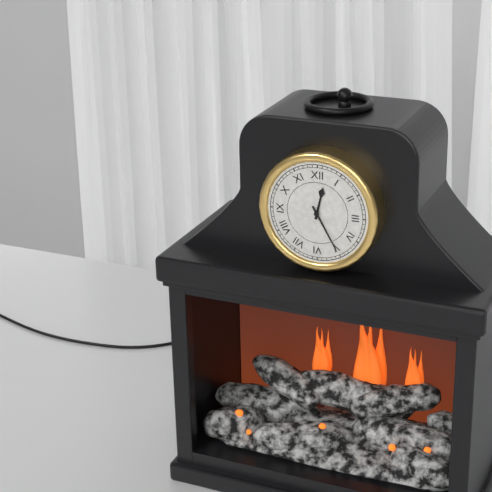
12h25
